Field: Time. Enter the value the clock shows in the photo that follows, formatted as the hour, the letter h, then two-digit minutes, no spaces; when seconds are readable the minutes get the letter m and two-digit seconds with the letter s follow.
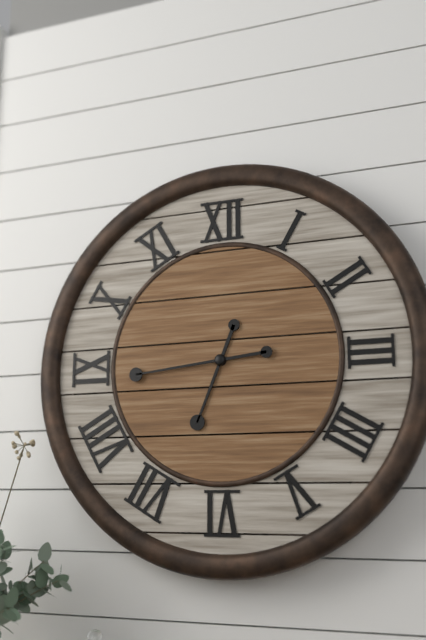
6h44
